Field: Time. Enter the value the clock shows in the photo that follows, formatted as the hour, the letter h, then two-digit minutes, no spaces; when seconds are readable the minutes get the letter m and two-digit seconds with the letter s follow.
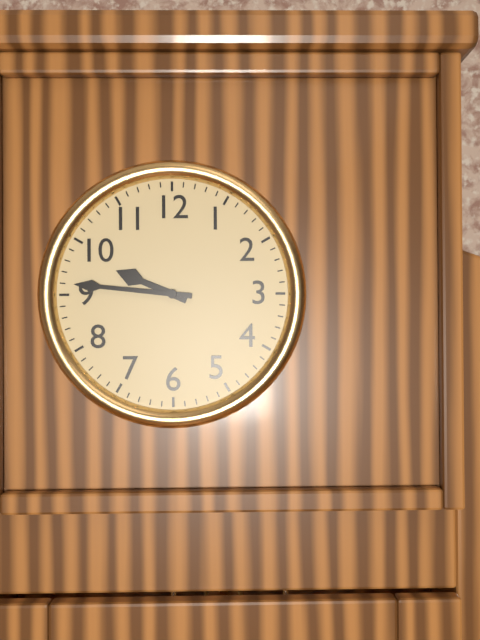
9h46
